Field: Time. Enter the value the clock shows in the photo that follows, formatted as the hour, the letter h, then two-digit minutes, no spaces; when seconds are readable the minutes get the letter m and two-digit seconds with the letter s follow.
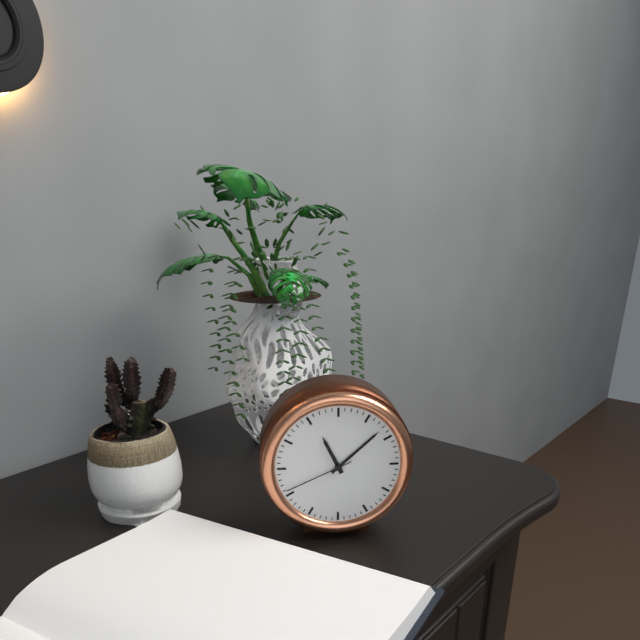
11h08m41s
